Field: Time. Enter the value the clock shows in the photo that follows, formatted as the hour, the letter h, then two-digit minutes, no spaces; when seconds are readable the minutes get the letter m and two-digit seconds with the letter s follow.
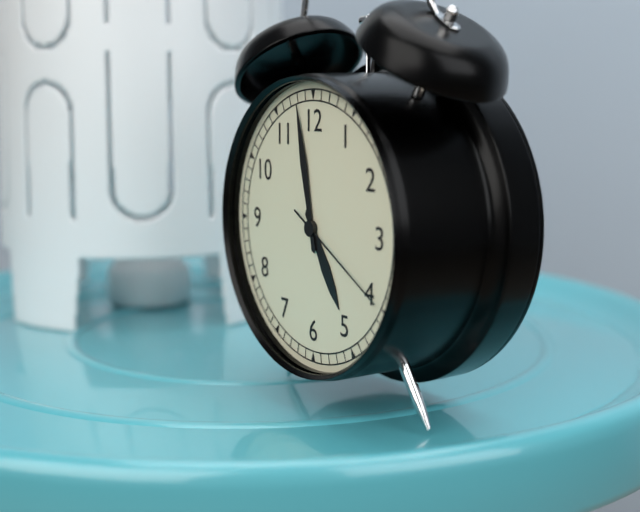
4h58m20s
